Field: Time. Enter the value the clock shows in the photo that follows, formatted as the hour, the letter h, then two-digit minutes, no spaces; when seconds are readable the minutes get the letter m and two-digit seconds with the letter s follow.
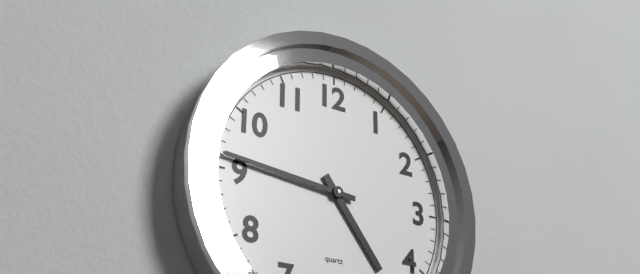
4h46
